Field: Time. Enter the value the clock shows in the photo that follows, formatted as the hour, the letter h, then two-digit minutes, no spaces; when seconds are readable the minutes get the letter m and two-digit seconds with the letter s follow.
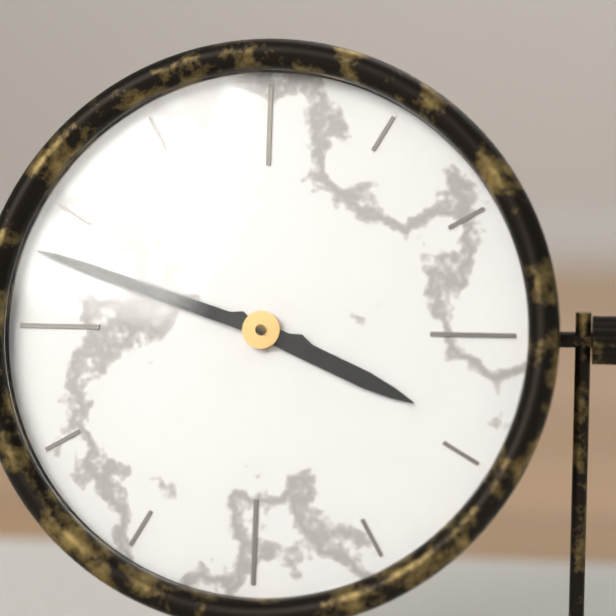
3h48
